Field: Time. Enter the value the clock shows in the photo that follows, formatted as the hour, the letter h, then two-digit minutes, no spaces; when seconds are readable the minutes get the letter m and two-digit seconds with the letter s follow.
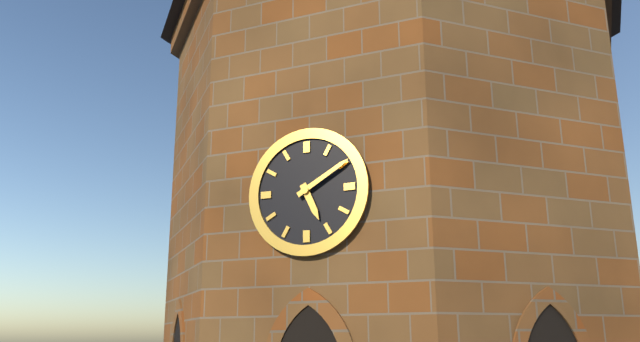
5h10
